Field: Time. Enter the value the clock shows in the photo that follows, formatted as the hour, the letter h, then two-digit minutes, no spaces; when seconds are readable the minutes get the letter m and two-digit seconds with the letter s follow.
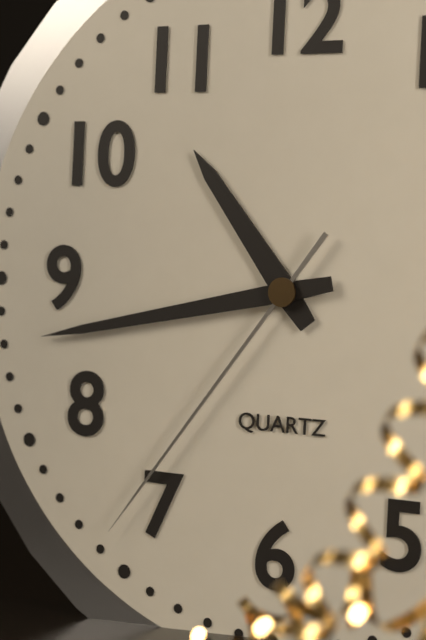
10h43m36s
